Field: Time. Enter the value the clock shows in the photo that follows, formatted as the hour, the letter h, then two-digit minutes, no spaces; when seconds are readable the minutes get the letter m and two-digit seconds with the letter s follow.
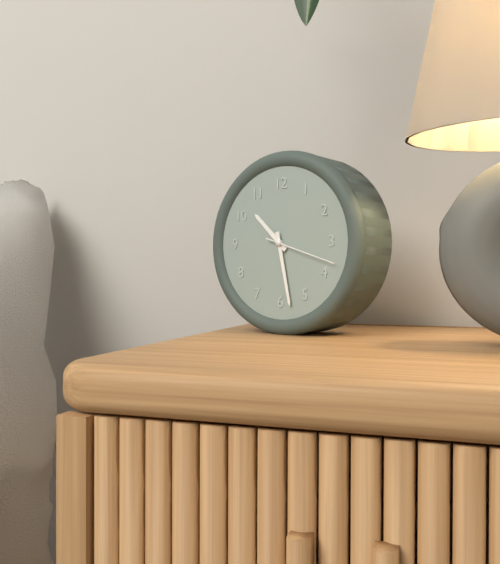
10h28m18s
